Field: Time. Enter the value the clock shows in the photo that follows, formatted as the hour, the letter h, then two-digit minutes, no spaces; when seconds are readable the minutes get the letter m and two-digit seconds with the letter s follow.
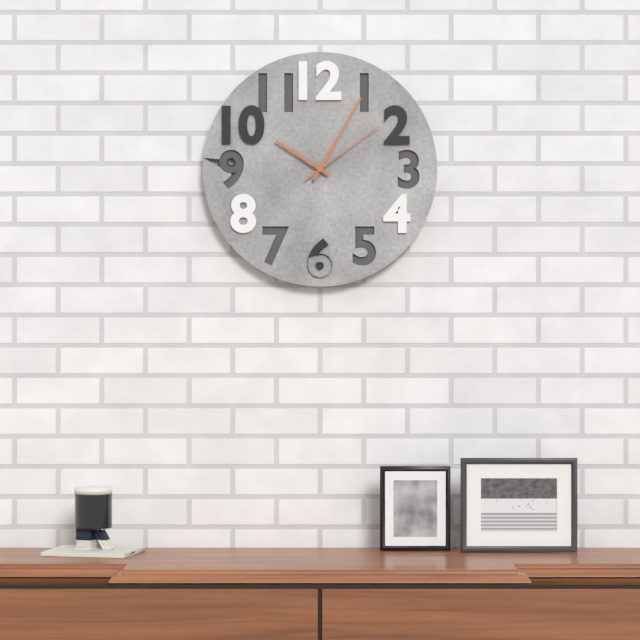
10h05m09s
